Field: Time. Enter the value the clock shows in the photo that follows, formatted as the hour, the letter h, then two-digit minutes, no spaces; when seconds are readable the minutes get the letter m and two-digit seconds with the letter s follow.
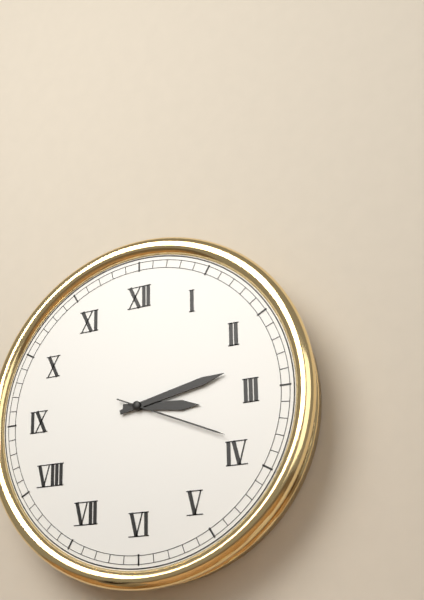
3h13m19s
